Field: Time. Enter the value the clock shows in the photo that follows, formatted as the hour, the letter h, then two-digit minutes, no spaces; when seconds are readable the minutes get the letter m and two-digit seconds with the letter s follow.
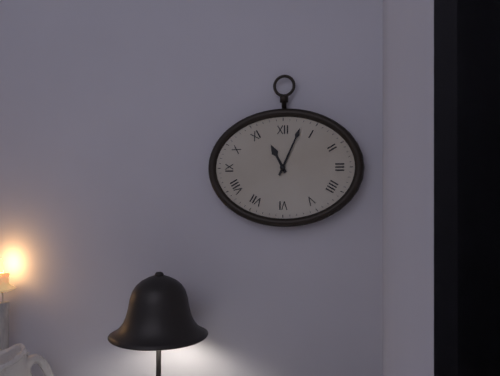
11h04
